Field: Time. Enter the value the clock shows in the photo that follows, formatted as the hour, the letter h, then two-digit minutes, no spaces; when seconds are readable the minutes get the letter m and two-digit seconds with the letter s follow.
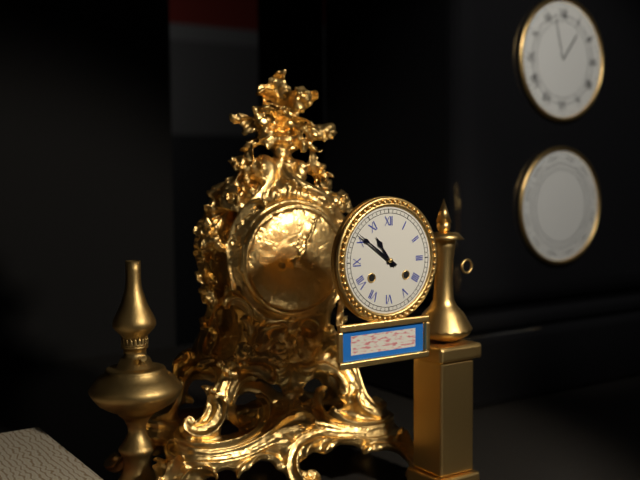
10h51
